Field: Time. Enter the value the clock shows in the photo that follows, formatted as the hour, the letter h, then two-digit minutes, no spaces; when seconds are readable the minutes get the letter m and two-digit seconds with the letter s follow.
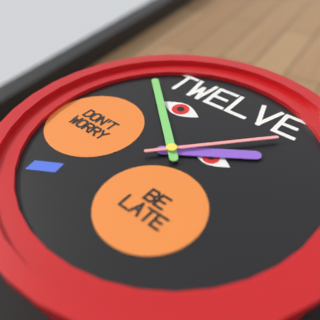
1h52m07s
